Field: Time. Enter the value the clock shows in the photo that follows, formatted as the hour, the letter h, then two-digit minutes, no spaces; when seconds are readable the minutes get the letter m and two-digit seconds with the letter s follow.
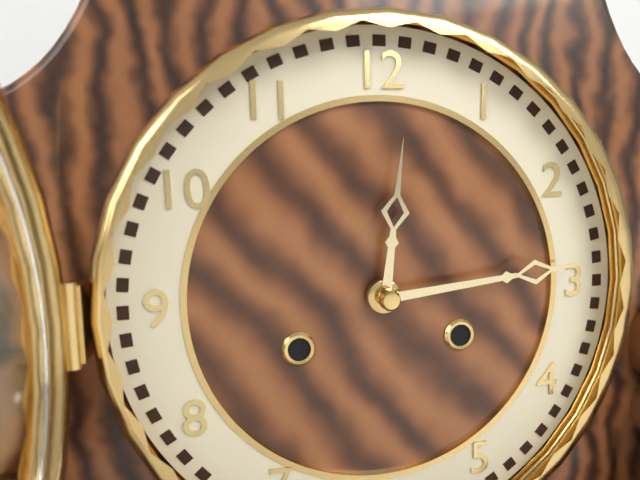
12h14
